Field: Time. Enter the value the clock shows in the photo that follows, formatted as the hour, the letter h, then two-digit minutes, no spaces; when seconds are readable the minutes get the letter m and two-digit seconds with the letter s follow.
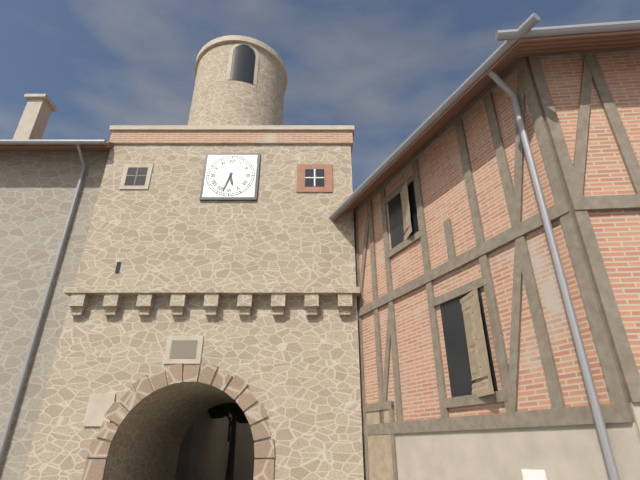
5h33
